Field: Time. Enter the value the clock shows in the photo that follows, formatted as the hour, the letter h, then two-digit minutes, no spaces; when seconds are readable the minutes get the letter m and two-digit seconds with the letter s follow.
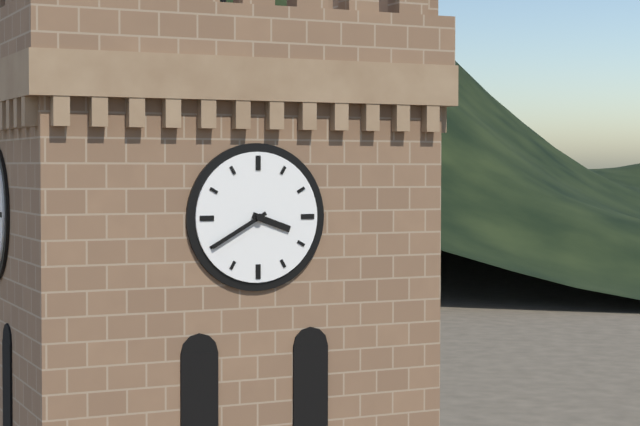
3h40
